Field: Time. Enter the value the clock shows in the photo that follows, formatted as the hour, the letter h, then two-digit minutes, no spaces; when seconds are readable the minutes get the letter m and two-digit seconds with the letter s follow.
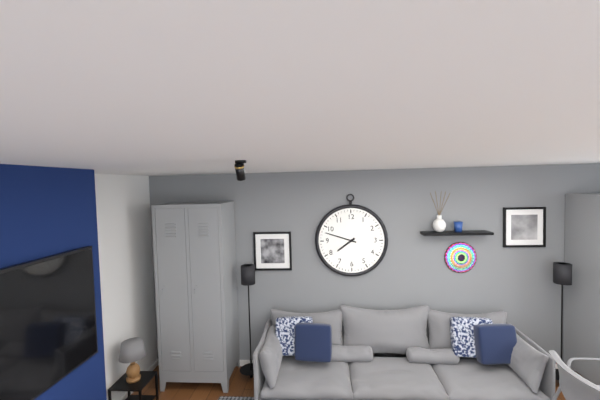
7h48
